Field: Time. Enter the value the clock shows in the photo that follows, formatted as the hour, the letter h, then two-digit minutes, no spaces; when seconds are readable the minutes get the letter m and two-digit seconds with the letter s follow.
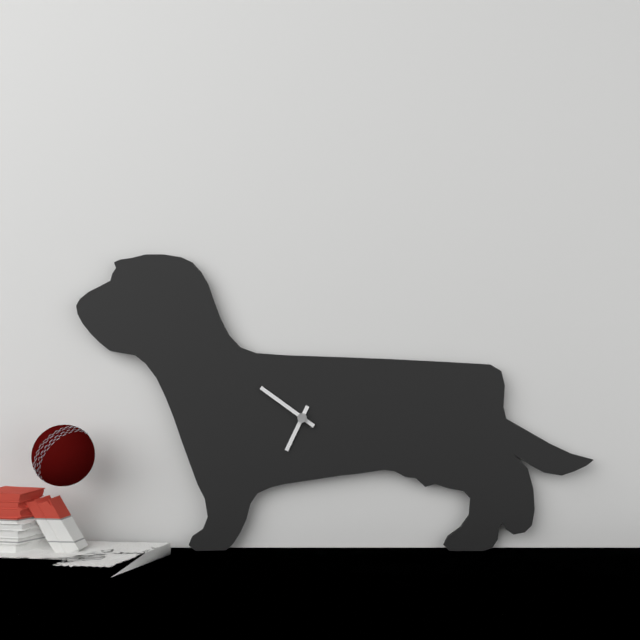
6h51
